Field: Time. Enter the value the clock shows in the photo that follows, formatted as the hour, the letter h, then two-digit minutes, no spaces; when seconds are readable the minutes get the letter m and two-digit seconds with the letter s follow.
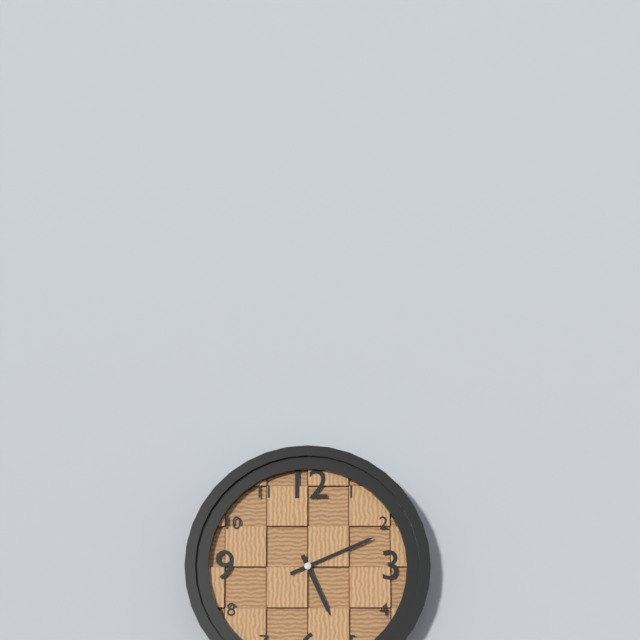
5h11
